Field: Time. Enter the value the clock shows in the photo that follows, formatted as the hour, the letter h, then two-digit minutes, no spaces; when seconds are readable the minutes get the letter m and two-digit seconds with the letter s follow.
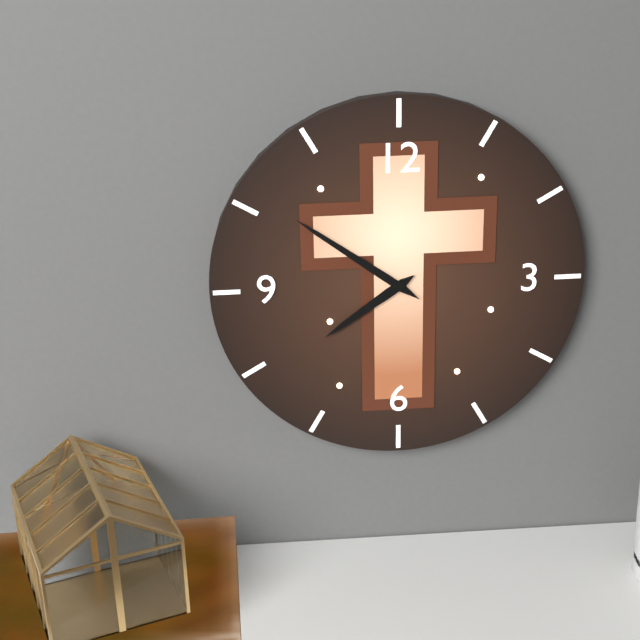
7h51
